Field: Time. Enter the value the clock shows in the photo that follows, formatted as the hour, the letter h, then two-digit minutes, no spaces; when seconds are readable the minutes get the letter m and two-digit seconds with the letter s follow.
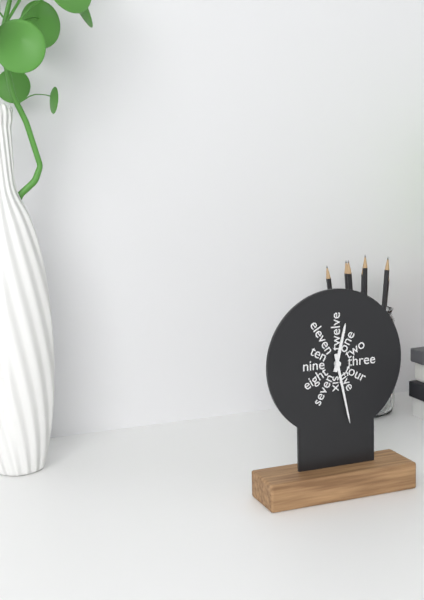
12h28
